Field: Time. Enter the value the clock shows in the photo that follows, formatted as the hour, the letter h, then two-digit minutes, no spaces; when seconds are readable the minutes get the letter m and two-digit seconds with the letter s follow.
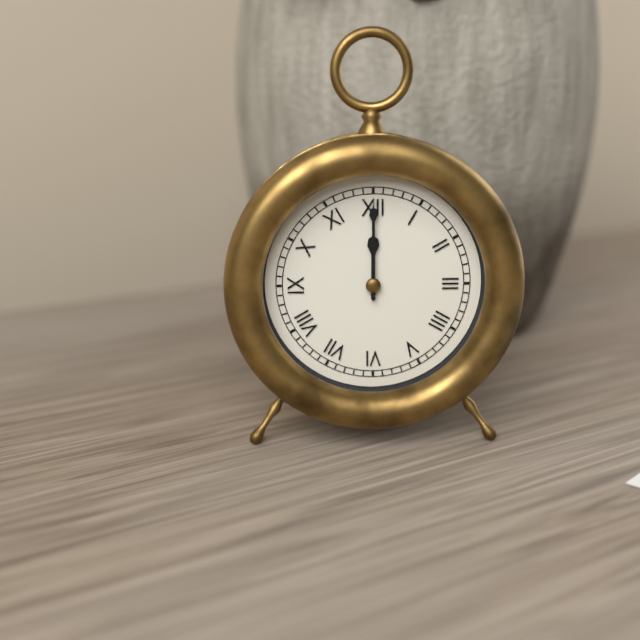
12h00
